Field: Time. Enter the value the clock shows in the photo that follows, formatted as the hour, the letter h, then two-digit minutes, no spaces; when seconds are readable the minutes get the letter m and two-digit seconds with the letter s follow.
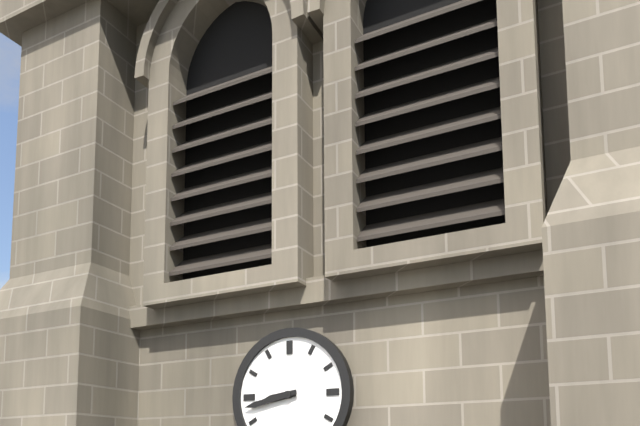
8h43
